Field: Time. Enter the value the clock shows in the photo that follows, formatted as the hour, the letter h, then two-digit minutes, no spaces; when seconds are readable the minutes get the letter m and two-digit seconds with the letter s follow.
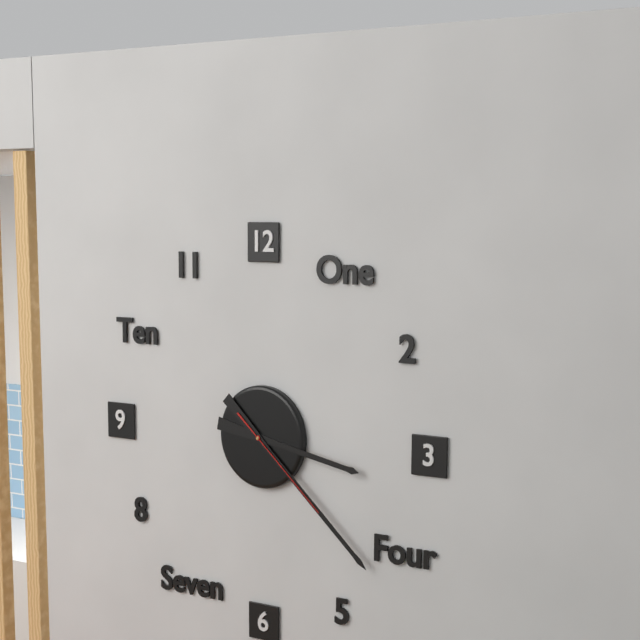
3h22m22s
